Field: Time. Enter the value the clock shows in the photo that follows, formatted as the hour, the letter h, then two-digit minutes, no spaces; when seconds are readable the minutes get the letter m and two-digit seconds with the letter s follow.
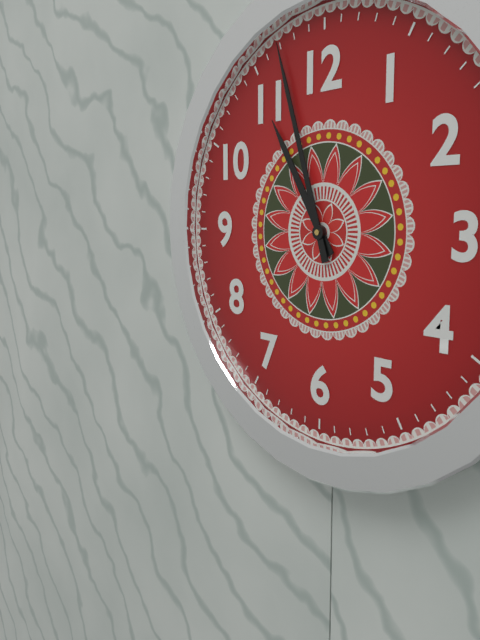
10h57
